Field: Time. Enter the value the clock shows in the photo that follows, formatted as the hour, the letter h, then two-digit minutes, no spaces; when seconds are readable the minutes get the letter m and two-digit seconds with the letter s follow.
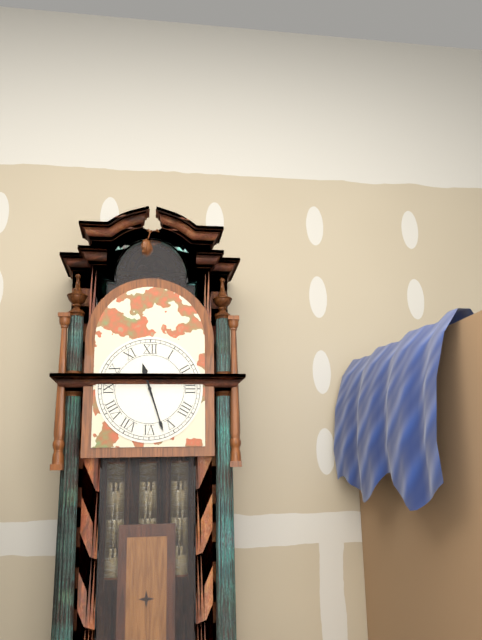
11h27
